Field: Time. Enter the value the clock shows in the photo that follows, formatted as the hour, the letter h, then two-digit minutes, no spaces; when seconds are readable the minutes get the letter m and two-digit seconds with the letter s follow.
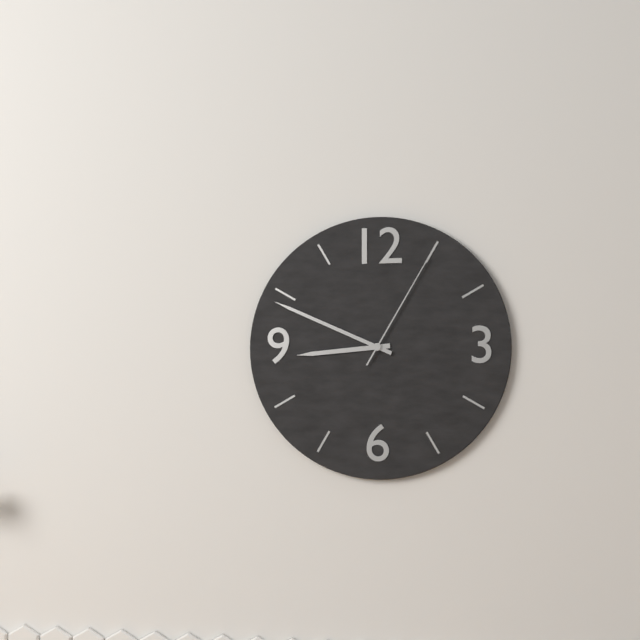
8h49m05s
